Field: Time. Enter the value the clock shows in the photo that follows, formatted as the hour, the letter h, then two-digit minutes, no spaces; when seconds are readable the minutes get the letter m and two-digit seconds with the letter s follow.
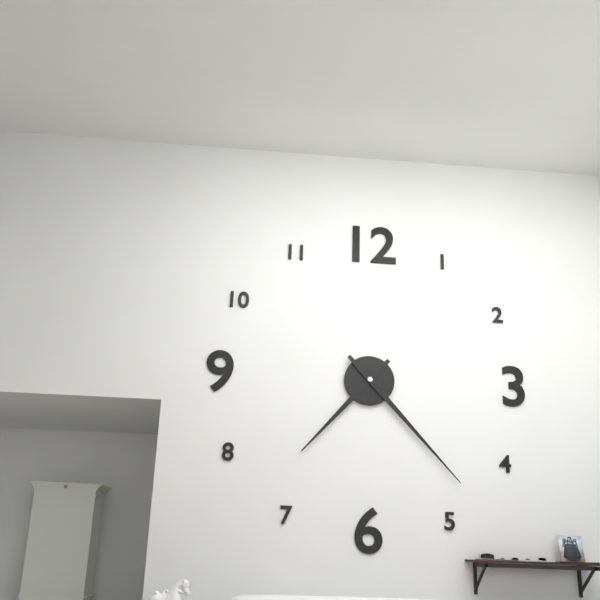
7h23
